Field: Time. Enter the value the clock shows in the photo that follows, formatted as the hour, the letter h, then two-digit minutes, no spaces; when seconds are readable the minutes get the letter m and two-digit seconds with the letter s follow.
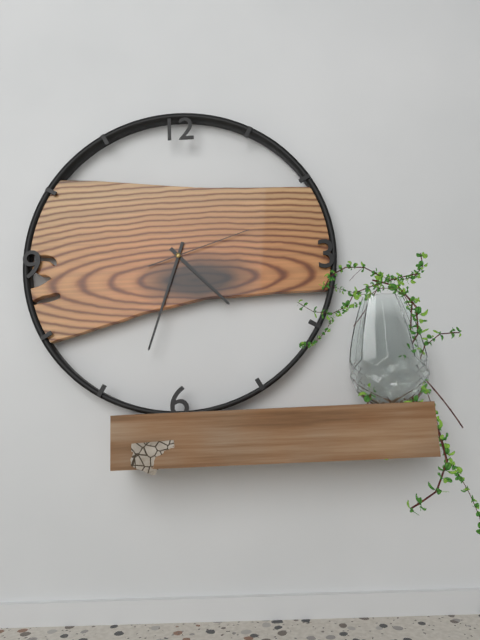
4h33m12s
